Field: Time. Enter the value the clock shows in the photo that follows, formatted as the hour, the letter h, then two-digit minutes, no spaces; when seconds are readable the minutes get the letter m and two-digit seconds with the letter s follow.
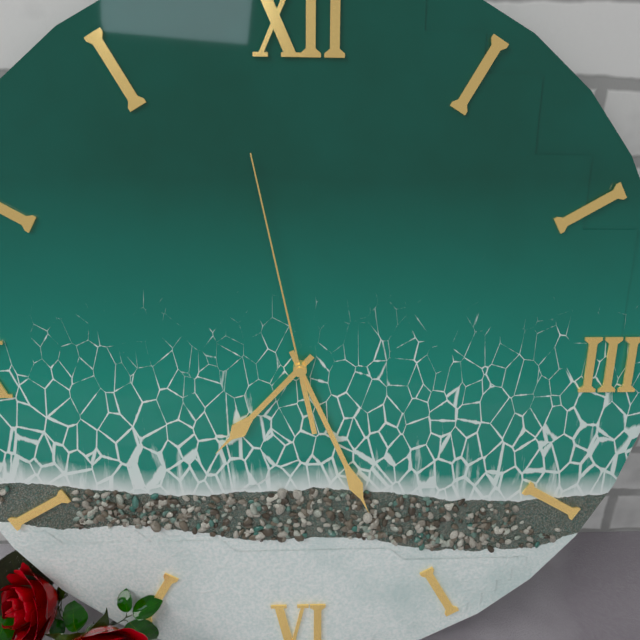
7h26m58s
